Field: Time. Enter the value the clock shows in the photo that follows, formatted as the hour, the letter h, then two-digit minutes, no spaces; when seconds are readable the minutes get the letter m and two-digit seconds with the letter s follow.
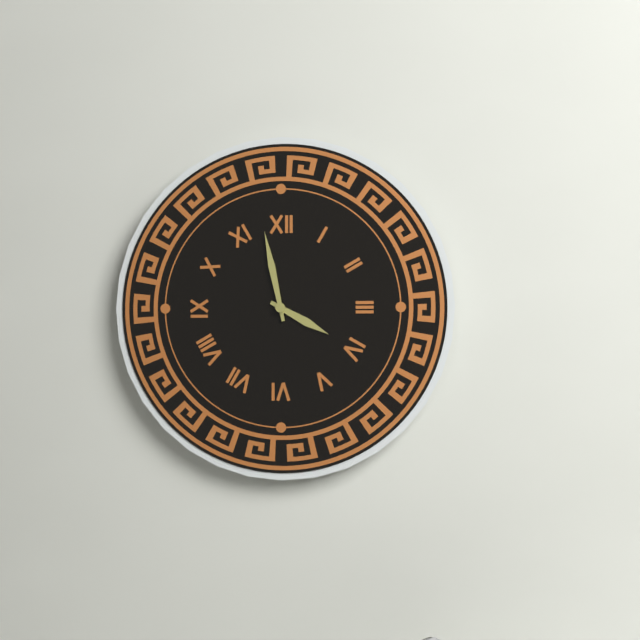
3h58
